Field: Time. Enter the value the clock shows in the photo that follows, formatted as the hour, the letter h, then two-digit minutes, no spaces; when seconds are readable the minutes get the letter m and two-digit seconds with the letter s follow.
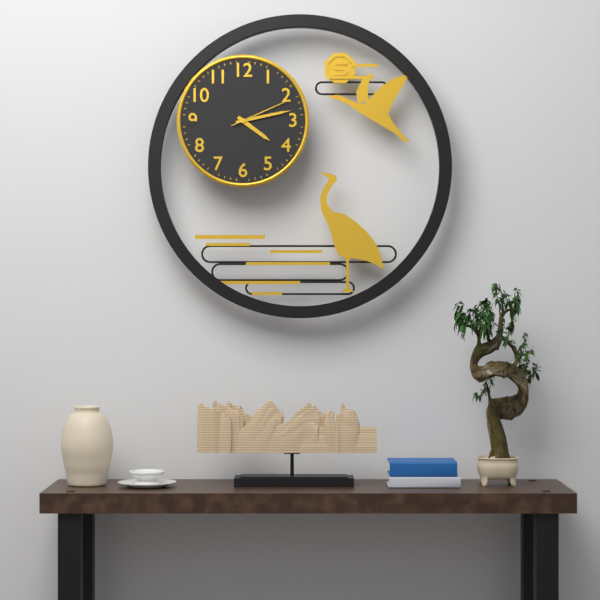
4h13m11s
